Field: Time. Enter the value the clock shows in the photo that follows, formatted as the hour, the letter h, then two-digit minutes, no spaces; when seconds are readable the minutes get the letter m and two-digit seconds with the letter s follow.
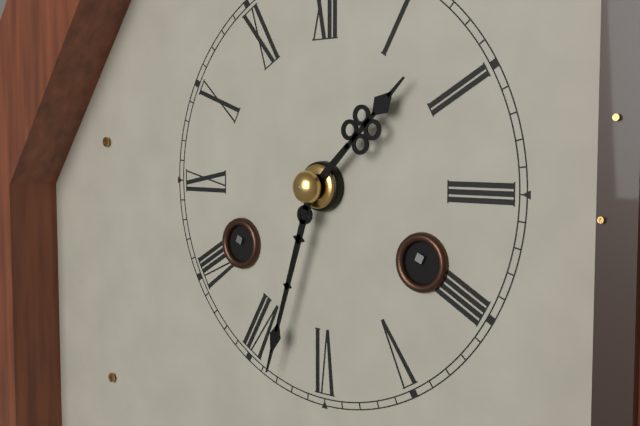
1h33
